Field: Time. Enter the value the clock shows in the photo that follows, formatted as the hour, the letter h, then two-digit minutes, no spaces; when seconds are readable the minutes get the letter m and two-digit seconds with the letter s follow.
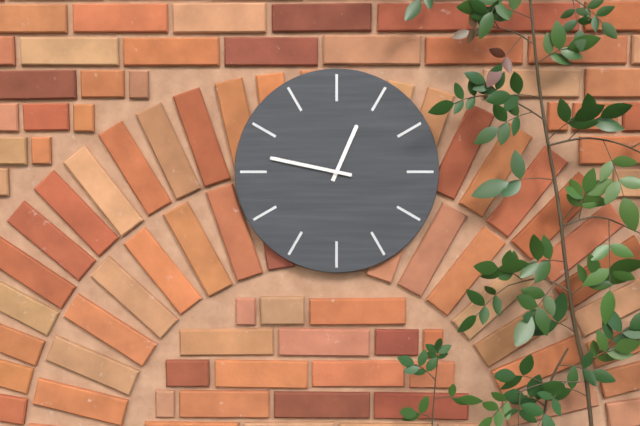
12h47
